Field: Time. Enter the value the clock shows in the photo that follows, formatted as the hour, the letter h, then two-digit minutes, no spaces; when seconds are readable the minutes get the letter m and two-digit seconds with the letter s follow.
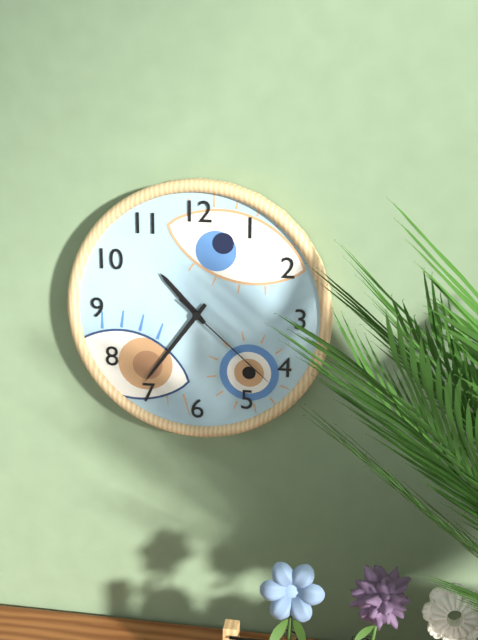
10h36m22s
